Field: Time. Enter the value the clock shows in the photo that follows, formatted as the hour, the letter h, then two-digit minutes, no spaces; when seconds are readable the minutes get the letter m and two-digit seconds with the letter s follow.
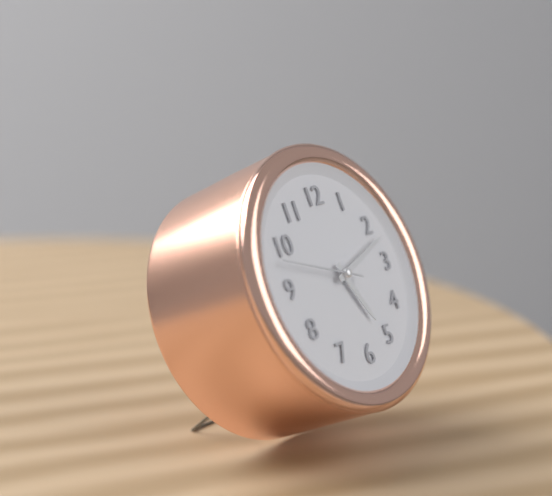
5h12m48s
